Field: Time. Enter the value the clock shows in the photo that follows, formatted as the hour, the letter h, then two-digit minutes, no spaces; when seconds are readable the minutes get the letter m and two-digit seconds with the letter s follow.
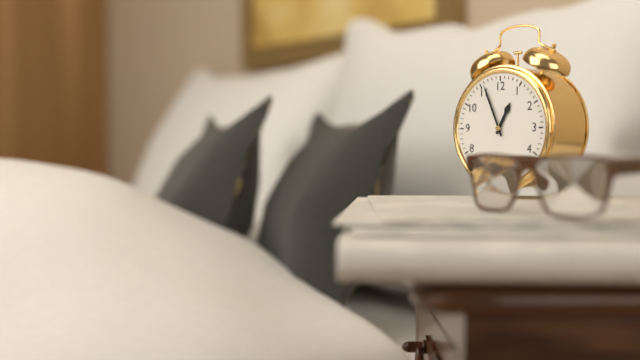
12h56
